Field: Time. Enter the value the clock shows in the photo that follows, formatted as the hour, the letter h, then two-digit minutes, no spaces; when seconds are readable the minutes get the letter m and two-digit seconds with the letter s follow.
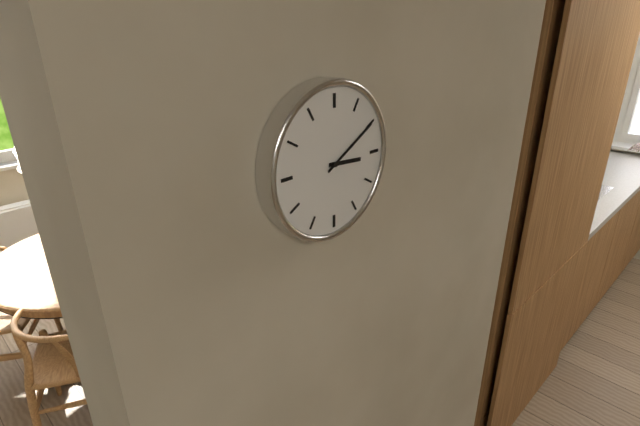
3h10
